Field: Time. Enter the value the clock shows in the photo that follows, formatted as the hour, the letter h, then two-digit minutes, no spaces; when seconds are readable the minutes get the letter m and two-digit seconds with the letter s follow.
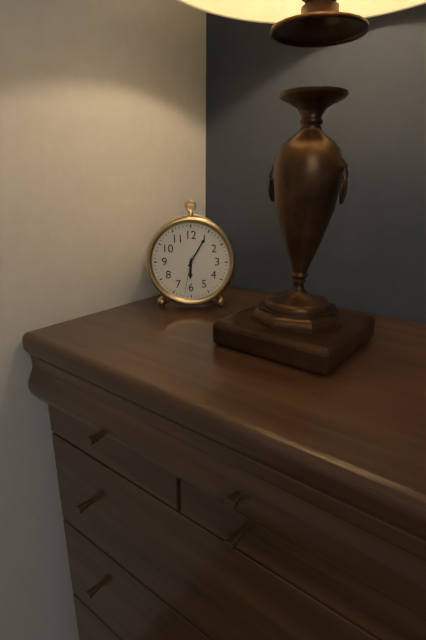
6h05
